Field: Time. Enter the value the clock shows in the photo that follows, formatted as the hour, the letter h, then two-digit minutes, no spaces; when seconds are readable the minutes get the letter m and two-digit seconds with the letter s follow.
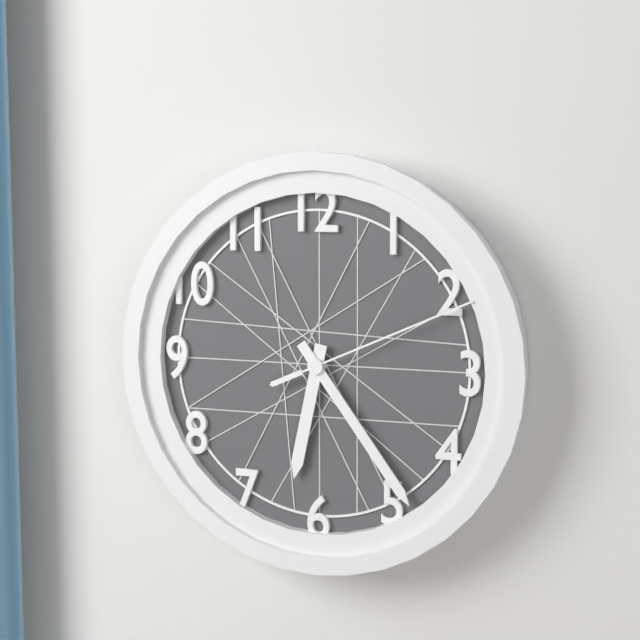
6h24m11s
